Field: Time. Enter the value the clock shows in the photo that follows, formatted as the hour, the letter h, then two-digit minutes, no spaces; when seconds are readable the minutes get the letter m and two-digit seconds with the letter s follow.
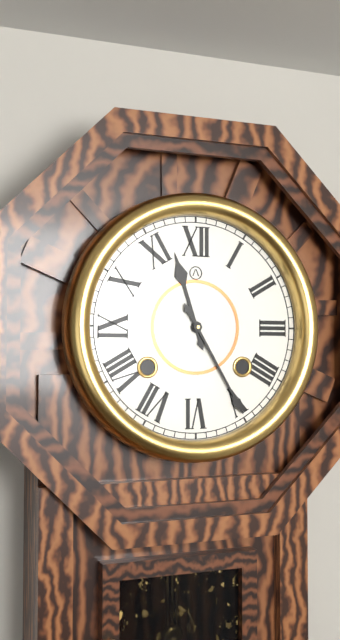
11h25
